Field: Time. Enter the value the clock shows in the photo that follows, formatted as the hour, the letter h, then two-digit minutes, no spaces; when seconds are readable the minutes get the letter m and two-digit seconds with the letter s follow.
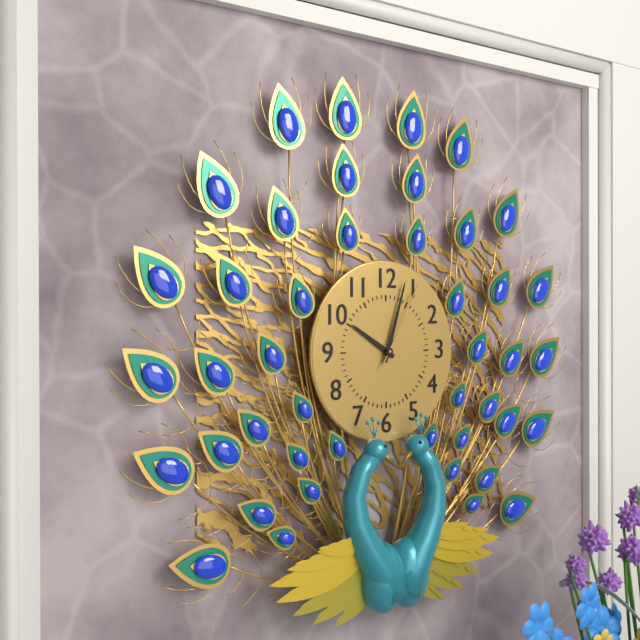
10h03m05s
